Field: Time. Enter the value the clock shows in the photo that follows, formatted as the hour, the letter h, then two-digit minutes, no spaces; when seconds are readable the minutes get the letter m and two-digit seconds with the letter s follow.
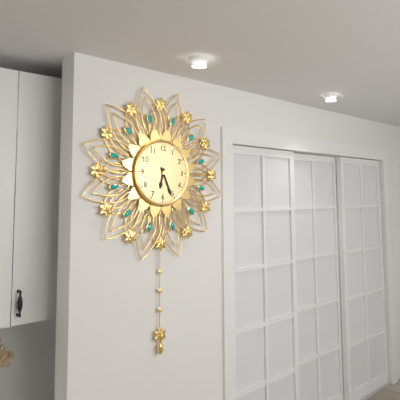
6h26
